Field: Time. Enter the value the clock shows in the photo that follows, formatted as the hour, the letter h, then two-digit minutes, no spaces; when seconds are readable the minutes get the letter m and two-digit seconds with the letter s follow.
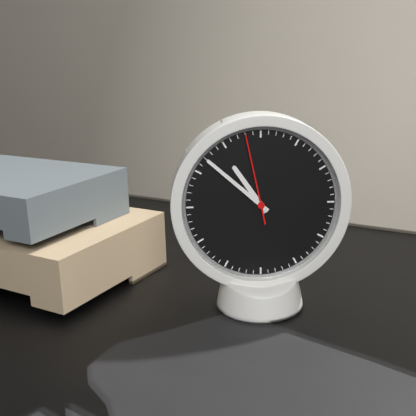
10h52m58s
